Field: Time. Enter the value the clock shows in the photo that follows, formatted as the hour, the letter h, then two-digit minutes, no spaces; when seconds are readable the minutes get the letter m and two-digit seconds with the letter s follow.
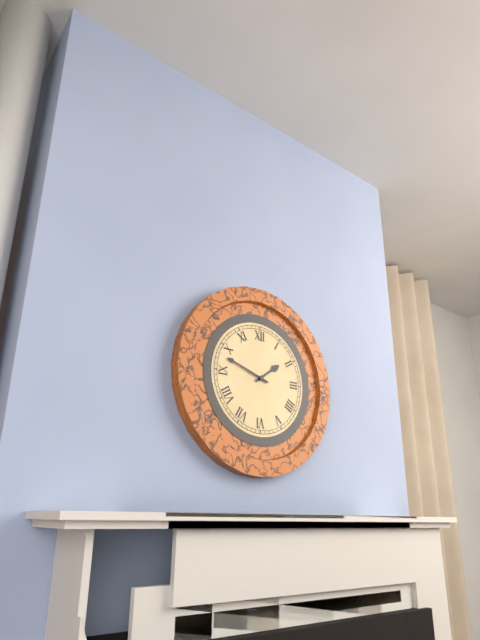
1h48
